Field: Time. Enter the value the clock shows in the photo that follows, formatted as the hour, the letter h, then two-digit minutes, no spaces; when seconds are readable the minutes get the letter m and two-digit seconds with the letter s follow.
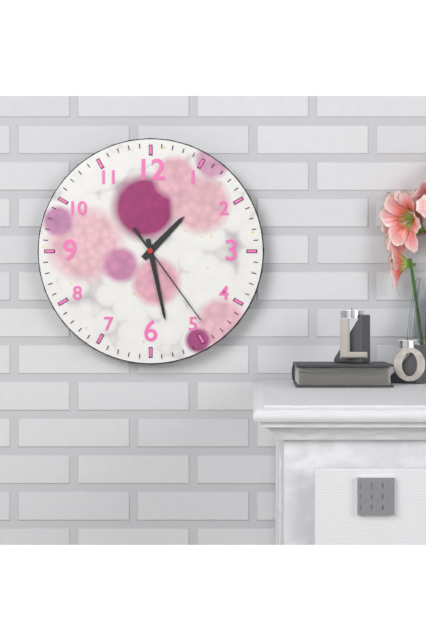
1h28m24s
